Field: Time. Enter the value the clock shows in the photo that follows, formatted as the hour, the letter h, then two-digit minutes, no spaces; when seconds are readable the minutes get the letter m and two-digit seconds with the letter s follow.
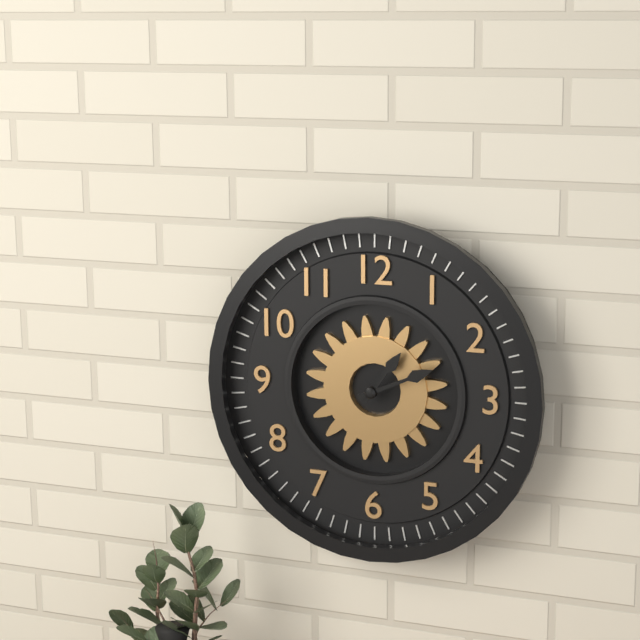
1h11
